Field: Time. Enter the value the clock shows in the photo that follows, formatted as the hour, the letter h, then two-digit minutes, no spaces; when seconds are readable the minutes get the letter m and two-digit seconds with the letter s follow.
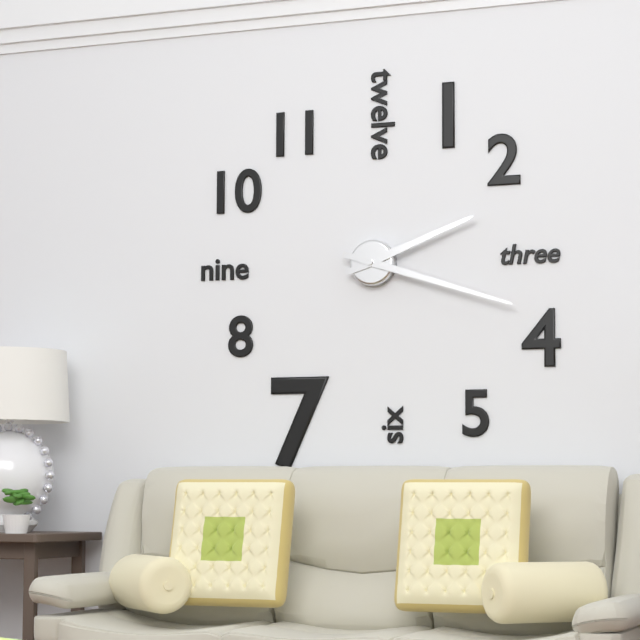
2h18
